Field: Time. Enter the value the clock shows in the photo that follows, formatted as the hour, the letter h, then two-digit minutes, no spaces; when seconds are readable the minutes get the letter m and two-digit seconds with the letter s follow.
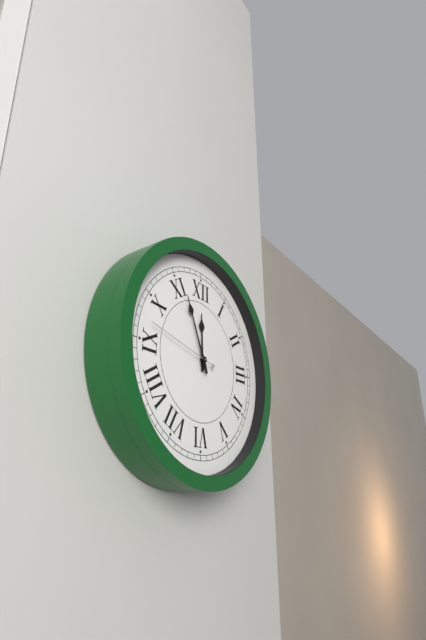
11h56m47s
